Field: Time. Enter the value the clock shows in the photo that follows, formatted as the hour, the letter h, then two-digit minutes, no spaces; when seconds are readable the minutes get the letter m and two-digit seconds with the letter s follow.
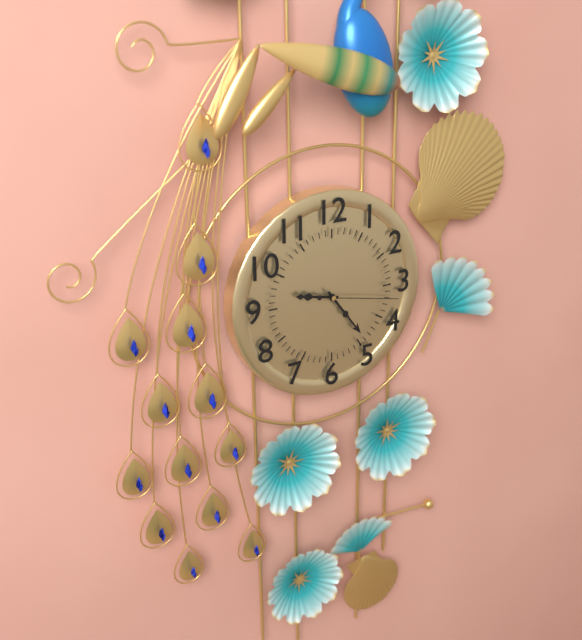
9h24m17s
